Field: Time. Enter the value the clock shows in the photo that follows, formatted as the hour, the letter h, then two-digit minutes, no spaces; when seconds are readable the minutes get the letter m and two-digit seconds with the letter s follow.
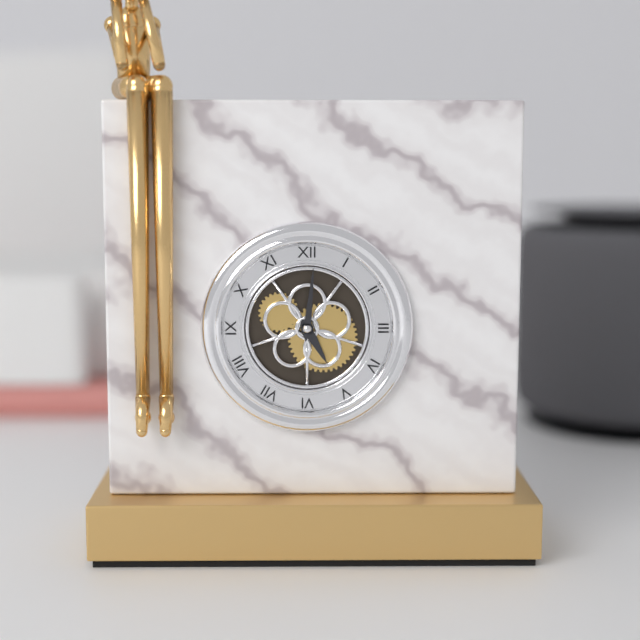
5h01
